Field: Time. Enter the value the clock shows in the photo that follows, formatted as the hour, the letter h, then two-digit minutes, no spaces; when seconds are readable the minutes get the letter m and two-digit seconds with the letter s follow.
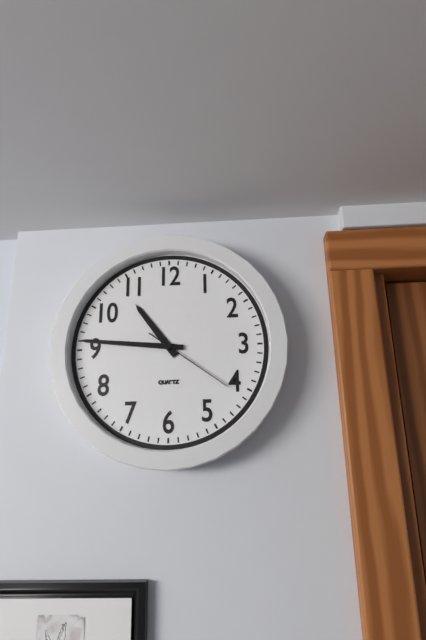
10h46m21s
